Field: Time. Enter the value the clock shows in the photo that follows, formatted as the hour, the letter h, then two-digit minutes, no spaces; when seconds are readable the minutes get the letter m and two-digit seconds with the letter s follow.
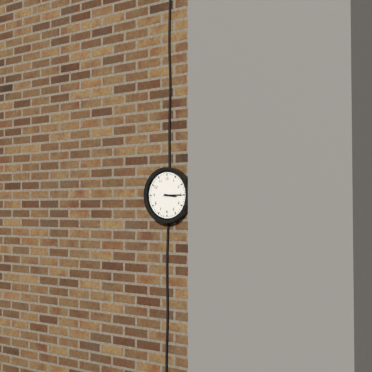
3h15
